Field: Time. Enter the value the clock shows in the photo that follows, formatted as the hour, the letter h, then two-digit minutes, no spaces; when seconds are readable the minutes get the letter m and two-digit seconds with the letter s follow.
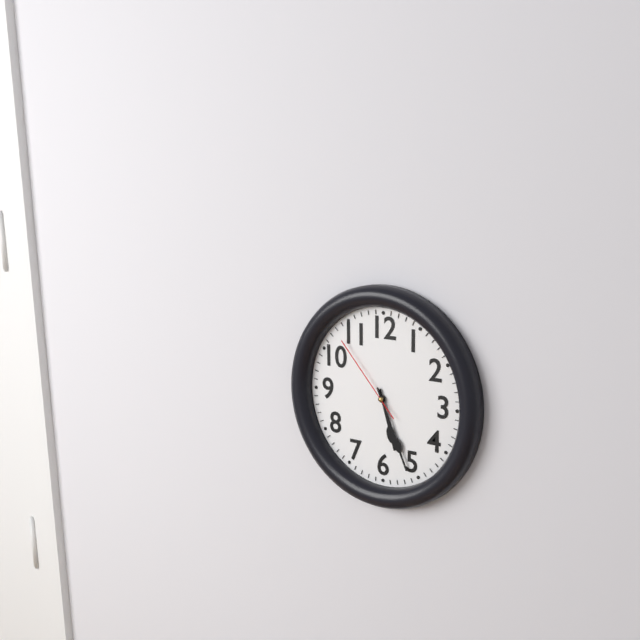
5h26m53s
